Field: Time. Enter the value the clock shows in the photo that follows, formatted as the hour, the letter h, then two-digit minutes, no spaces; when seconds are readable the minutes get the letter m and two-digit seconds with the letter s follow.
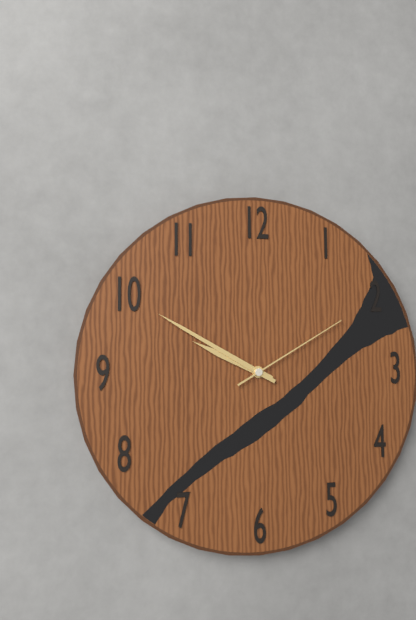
9h50m10s
